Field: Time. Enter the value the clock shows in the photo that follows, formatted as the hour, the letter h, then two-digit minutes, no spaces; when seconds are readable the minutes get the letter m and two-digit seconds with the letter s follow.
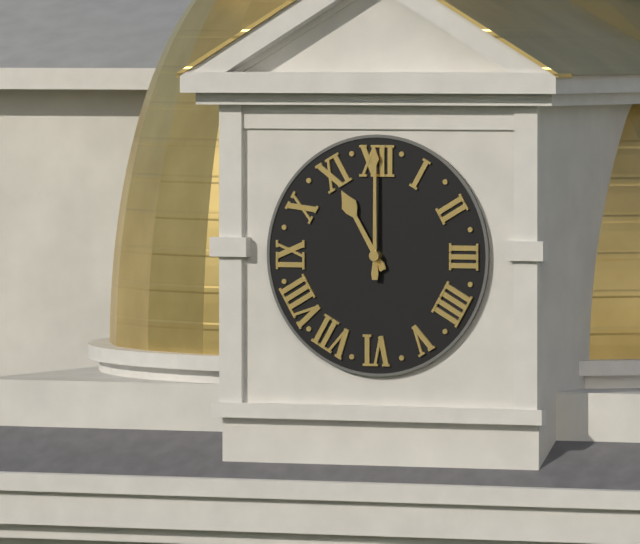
11h00
